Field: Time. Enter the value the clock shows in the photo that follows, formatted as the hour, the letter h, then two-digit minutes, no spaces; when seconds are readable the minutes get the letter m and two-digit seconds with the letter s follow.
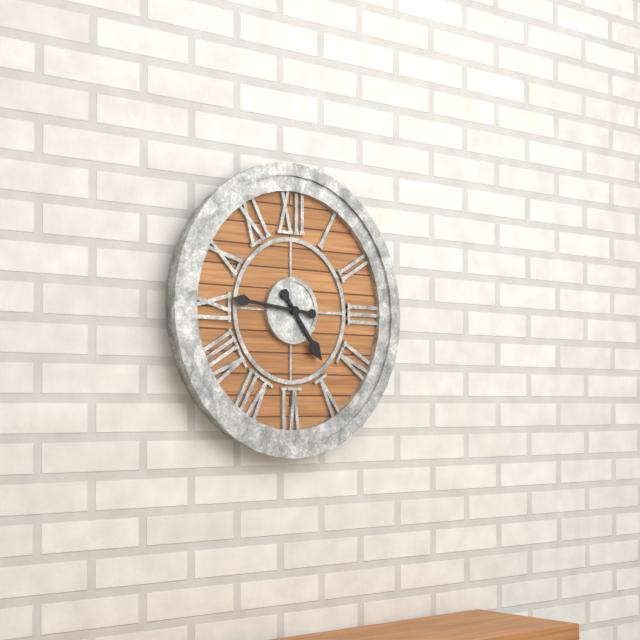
4h46
